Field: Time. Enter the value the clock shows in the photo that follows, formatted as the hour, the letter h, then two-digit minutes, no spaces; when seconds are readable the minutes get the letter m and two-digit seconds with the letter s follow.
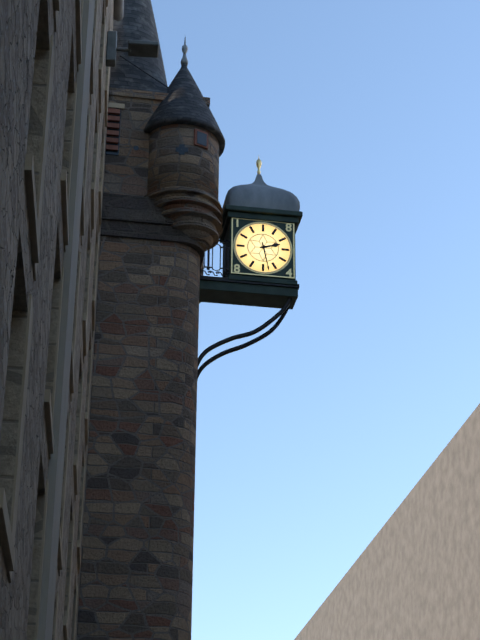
2h28
